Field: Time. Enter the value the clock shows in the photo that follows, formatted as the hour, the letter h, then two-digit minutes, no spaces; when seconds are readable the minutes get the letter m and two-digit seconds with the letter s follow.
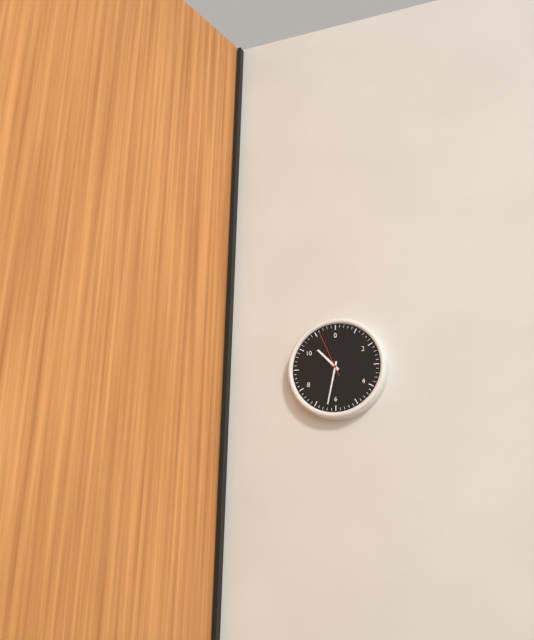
10h32
